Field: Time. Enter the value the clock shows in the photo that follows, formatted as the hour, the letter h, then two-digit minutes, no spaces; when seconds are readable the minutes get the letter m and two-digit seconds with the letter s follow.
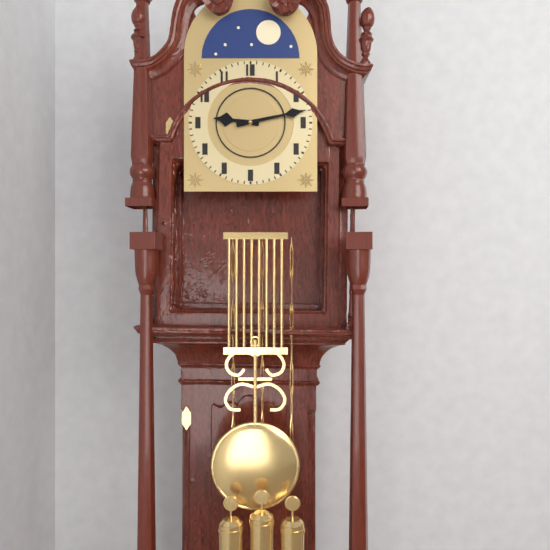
9h13
